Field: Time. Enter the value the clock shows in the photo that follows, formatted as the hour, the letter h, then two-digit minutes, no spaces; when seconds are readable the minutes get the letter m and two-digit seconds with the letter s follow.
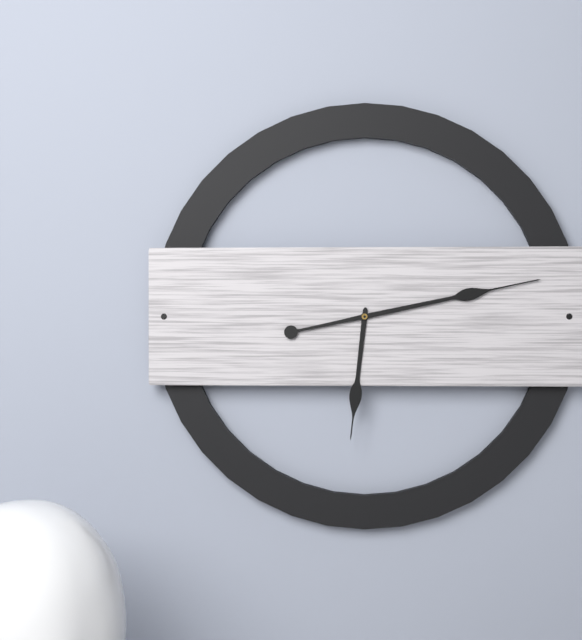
6h13
